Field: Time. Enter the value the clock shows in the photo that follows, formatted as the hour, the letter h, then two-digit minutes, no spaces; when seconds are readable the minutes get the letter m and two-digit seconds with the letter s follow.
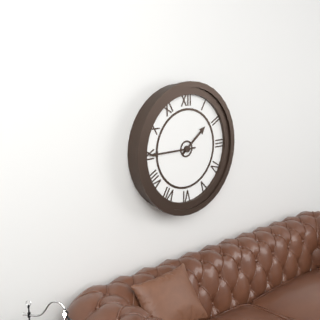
1h45
